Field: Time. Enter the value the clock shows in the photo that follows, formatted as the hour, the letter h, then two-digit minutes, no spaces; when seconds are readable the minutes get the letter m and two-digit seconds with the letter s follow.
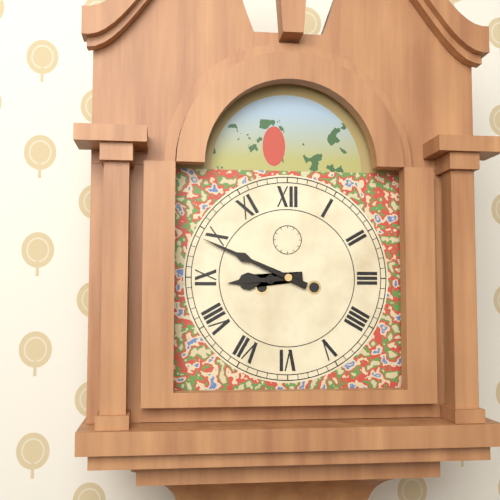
8h49
